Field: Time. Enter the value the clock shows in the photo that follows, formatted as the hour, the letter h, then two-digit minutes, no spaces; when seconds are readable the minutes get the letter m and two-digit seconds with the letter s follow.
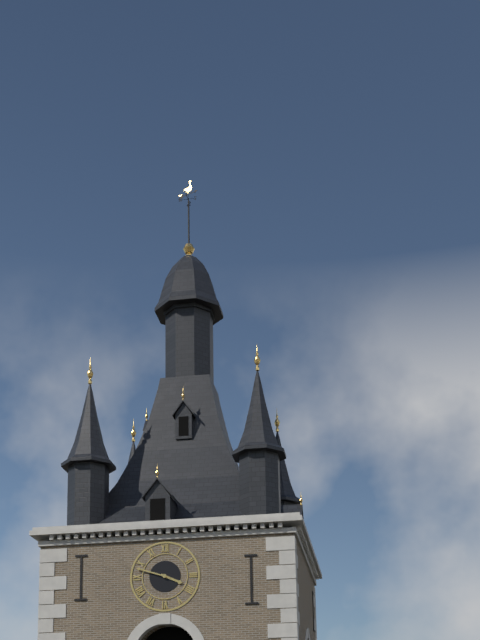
3h48
